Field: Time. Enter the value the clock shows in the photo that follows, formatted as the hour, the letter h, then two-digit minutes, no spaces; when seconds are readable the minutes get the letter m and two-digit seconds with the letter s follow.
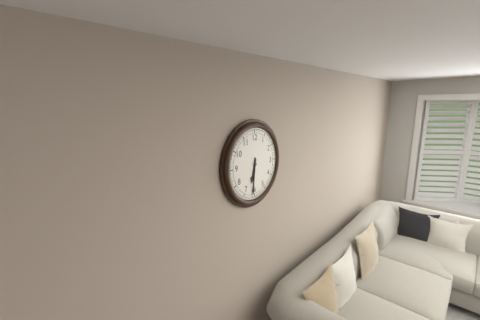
6h31
